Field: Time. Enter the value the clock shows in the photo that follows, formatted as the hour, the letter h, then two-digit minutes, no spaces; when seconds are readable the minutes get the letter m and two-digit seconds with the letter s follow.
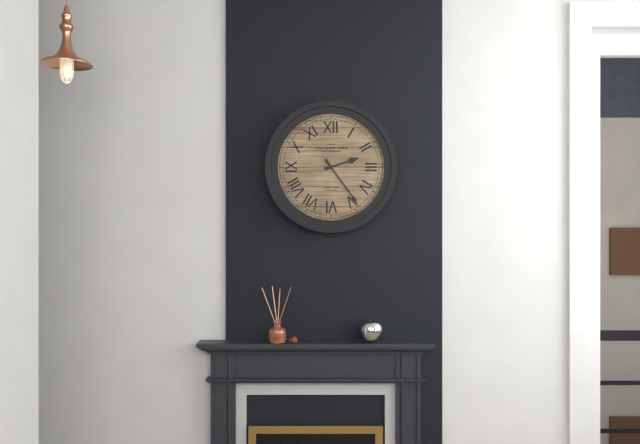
2h24
